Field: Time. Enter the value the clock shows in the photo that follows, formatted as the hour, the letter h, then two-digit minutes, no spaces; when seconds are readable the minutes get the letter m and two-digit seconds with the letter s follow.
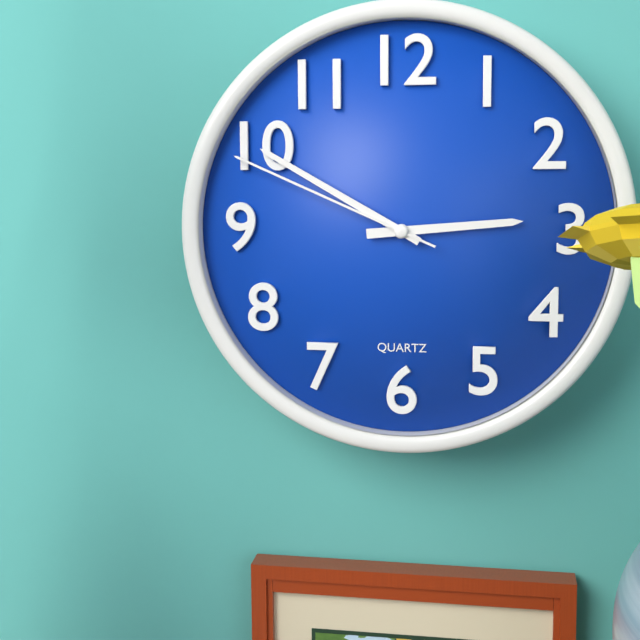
2h50m49s
